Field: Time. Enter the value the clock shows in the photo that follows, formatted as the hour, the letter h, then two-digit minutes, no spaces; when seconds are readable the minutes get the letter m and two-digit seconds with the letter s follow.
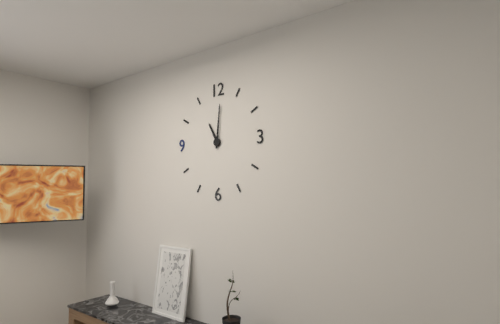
11h01
